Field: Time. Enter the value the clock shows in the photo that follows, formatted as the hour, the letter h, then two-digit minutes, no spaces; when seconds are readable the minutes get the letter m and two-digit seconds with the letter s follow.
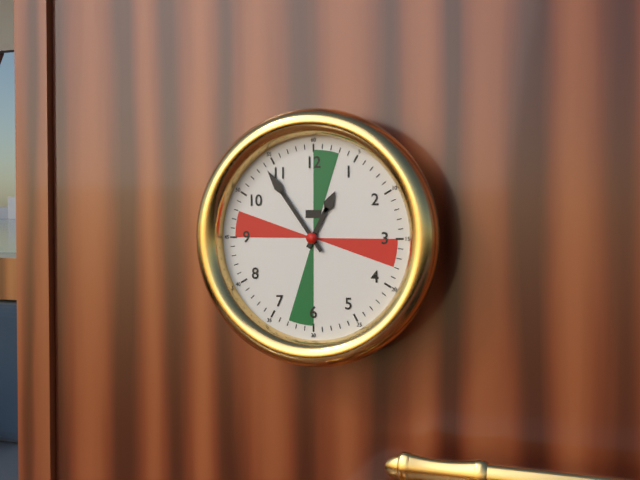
12h54
